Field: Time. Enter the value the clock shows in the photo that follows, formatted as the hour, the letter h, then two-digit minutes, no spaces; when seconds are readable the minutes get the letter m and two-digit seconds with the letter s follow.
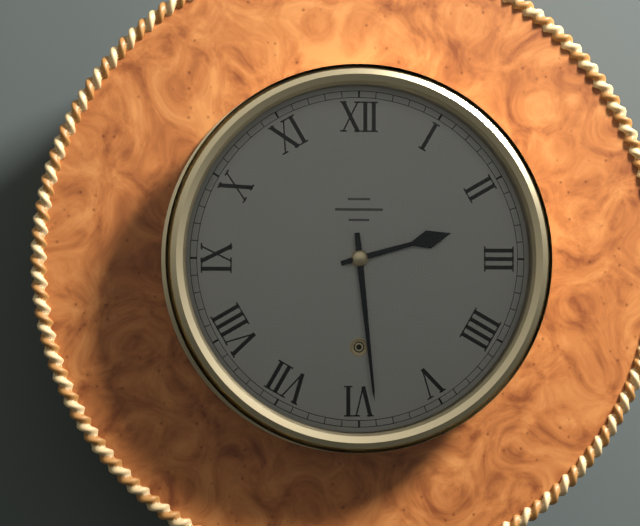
2h29
